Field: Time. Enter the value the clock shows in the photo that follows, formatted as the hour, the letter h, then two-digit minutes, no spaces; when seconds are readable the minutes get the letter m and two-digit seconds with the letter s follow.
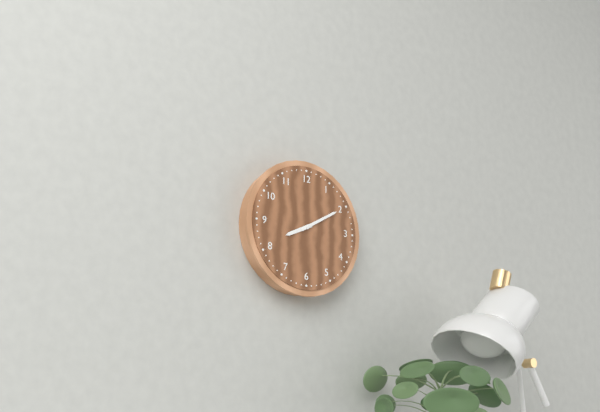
8h10
